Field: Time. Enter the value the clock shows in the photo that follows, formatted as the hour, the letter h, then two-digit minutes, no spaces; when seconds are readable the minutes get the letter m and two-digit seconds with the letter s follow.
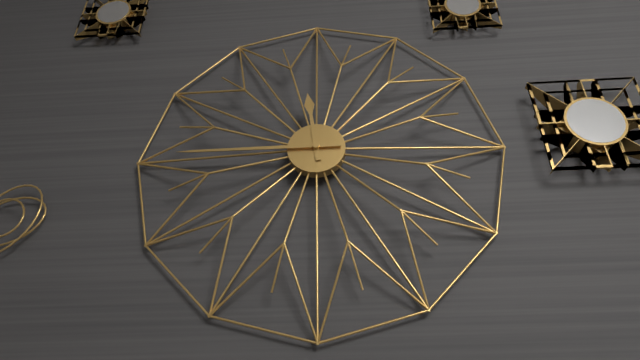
11h45
